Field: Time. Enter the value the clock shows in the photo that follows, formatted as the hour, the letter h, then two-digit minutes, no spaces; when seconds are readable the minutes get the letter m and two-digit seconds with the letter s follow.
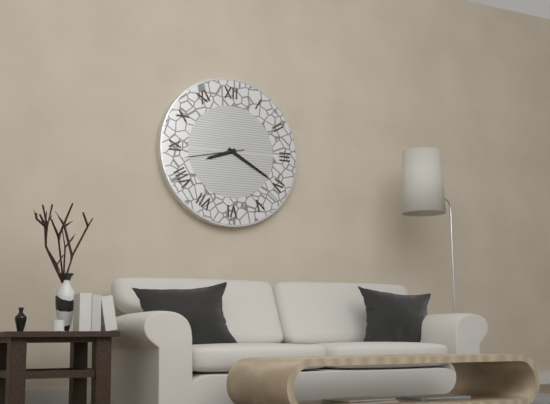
8h20m43s
